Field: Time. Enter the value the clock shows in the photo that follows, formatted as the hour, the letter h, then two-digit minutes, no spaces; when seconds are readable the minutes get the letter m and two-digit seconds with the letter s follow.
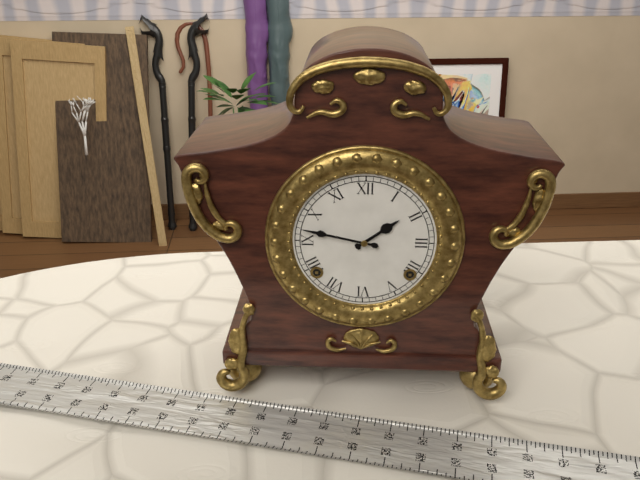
1h47
